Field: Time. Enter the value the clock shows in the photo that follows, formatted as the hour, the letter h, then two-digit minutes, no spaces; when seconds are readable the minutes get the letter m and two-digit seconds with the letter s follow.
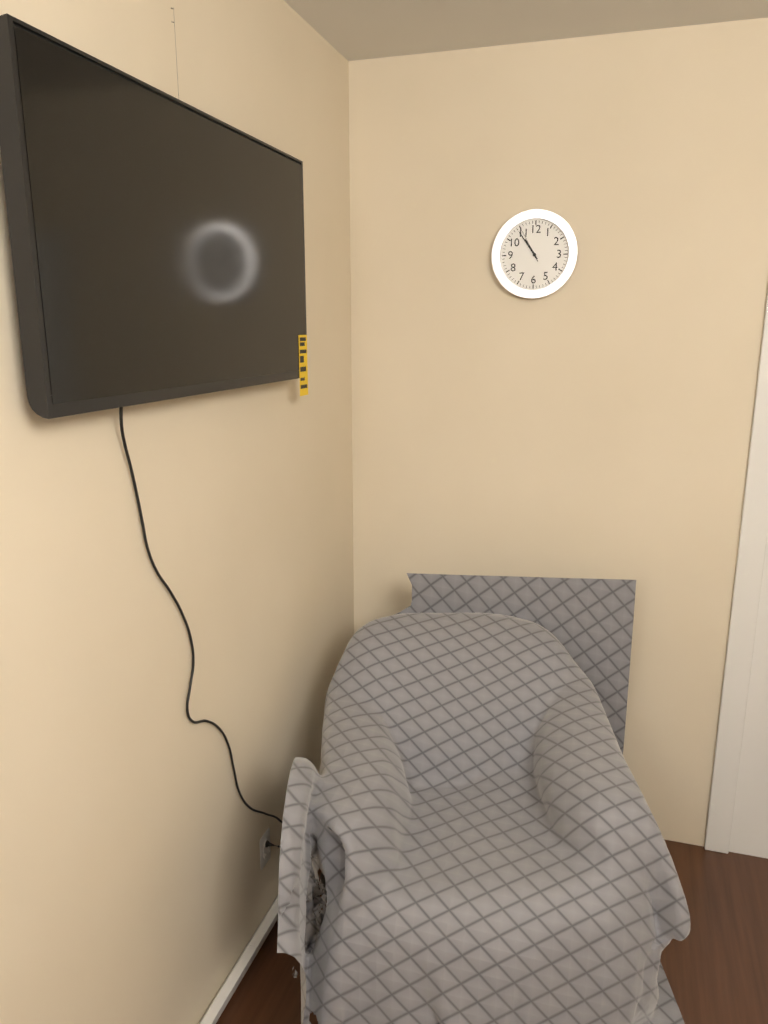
10h54
